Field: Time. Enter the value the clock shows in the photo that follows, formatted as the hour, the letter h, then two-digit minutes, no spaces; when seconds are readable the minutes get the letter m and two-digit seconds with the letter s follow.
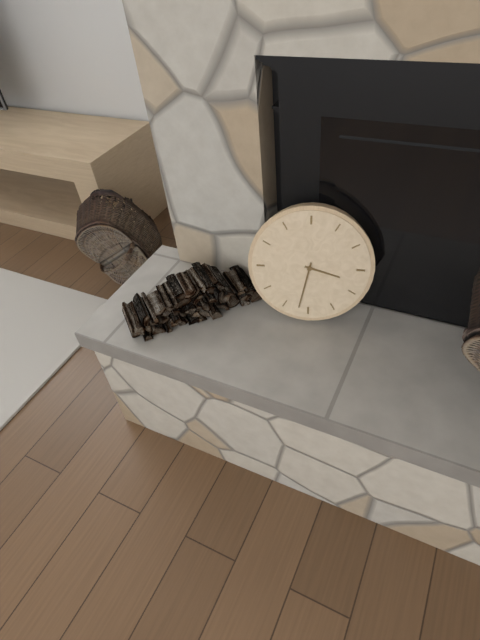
3h32
